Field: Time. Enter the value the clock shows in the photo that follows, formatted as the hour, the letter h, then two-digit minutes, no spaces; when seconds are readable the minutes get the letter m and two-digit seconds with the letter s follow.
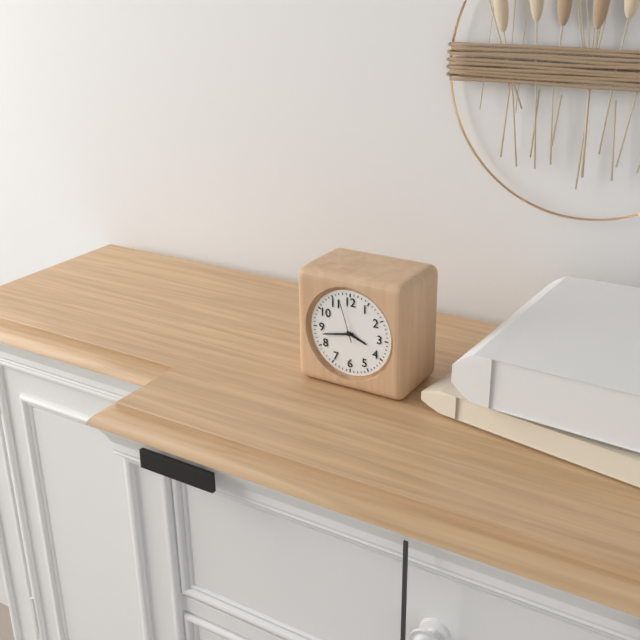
3h43
